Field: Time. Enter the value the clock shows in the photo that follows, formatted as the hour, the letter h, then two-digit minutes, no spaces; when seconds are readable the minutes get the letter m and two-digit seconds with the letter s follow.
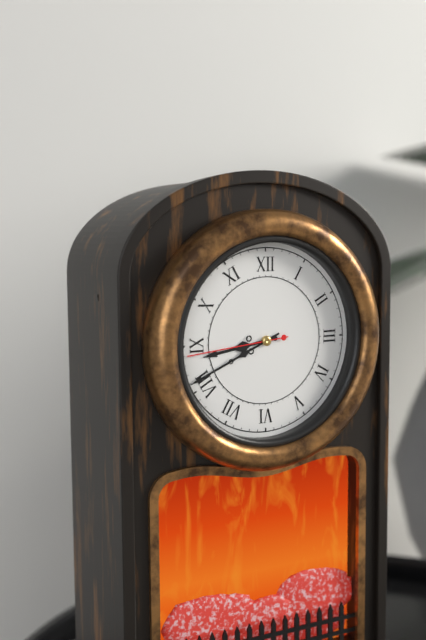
8h41m44s
